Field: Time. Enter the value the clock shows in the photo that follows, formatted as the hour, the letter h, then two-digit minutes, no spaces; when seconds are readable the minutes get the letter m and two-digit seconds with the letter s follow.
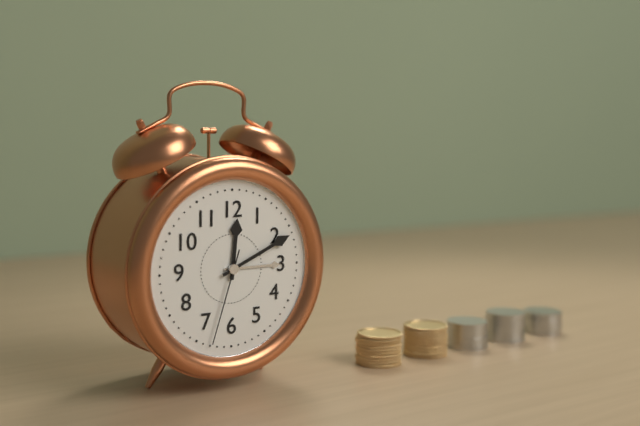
12h11m33s
